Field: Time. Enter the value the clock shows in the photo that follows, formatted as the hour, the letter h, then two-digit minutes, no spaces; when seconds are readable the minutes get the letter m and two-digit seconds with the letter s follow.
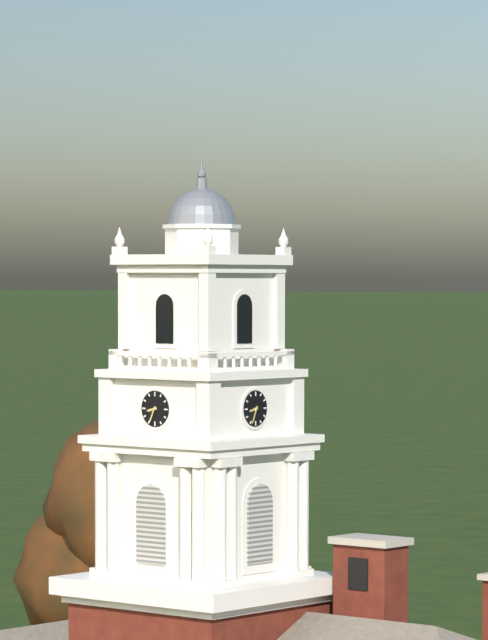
8h34
